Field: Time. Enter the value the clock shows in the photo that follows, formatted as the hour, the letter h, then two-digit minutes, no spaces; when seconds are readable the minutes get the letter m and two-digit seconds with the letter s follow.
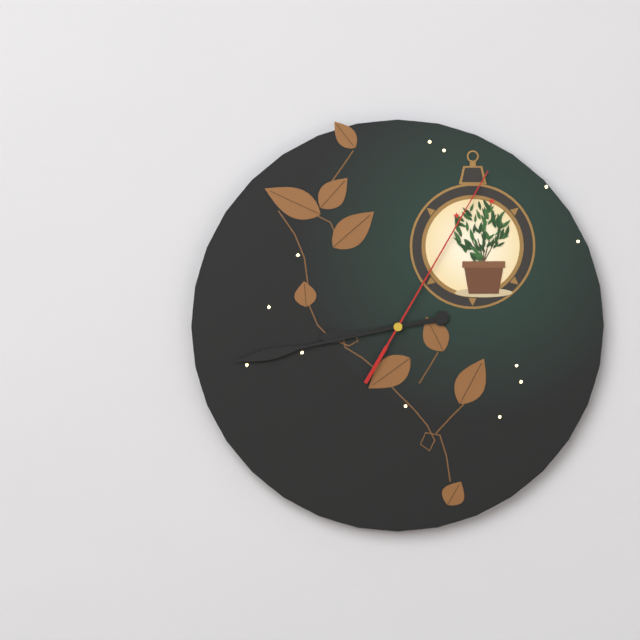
8h43m05s
